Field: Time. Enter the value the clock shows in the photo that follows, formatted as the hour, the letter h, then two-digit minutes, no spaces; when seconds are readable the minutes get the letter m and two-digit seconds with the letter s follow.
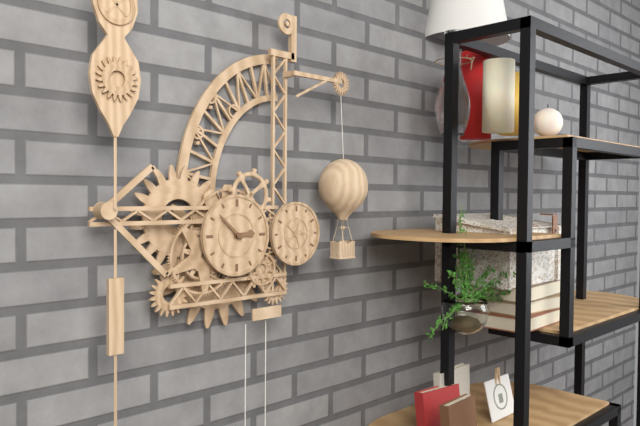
2h52
